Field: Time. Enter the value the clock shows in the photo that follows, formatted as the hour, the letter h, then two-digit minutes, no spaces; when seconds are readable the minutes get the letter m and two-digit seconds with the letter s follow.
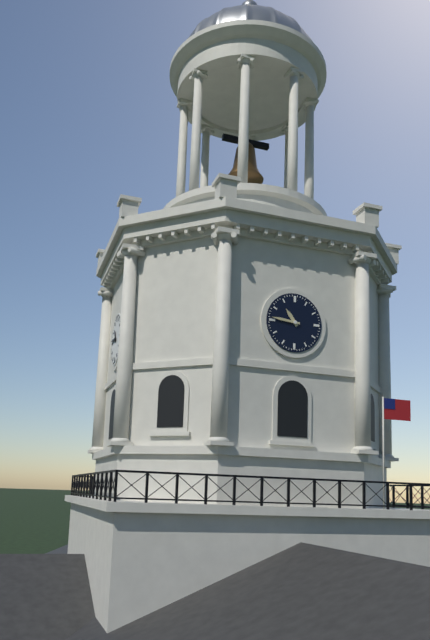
10h46
